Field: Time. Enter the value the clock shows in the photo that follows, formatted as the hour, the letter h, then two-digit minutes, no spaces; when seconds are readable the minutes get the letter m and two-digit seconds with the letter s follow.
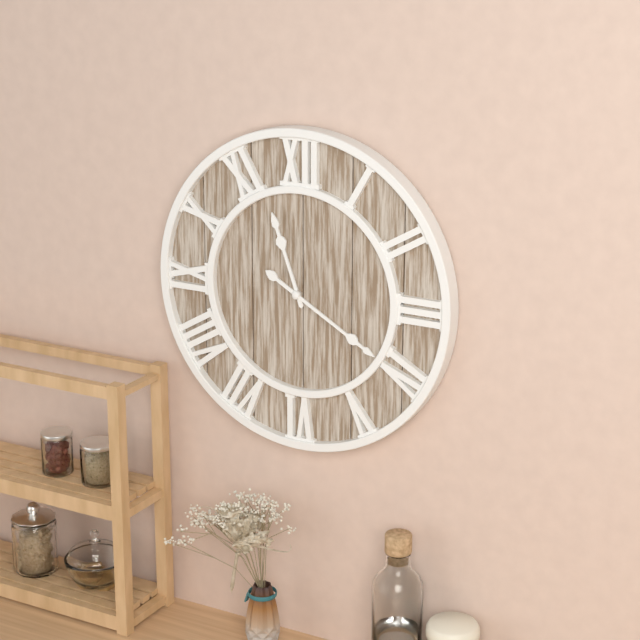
11h20
